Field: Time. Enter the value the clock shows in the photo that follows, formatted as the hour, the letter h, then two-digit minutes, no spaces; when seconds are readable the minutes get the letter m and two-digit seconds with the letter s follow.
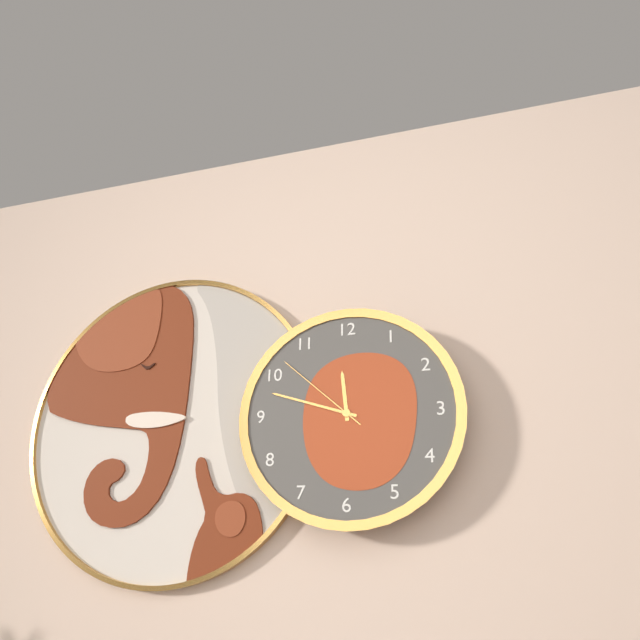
11h48m52s
